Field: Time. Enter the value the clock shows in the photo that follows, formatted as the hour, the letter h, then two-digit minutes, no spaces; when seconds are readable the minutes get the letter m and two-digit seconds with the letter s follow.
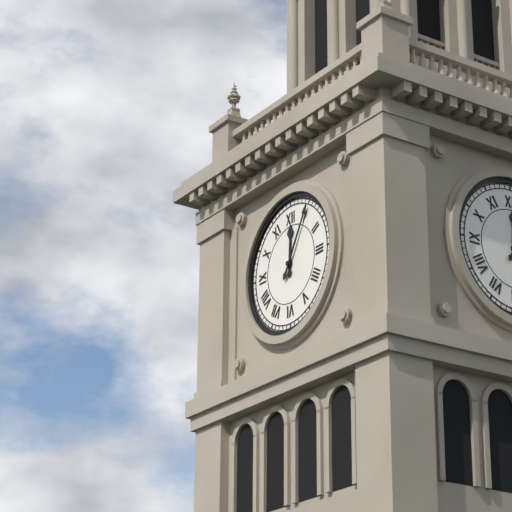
12h05
